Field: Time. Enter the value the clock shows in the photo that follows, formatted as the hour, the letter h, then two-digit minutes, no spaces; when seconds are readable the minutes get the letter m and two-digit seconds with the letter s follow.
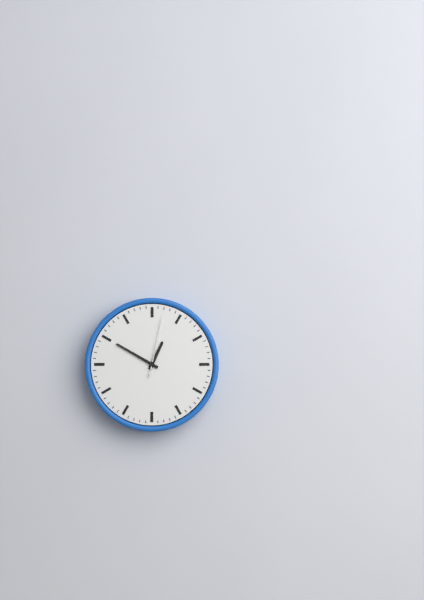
12h50m02s
